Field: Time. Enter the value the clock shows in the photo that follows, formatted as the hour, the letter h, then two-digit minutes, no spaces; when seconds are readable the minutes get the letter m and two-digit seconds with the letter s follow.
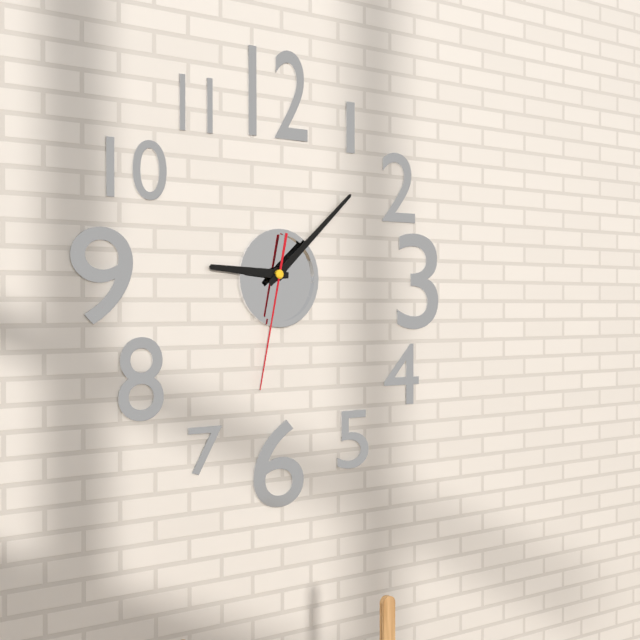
9h08m32s
